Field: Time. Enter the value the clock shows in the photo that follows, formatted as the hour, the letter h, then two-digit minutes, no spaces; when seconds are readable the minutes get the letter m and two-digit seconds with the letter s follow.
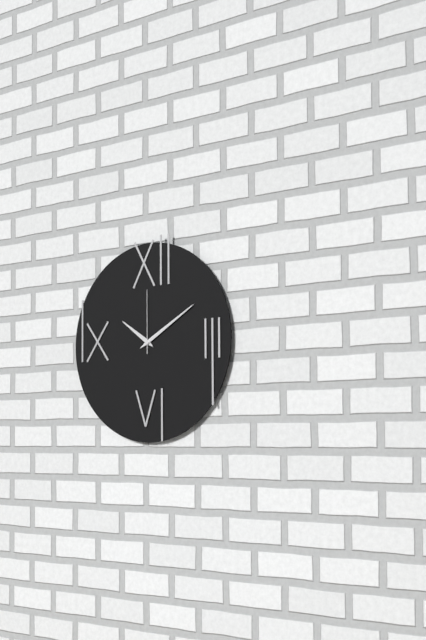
10h10m00s
